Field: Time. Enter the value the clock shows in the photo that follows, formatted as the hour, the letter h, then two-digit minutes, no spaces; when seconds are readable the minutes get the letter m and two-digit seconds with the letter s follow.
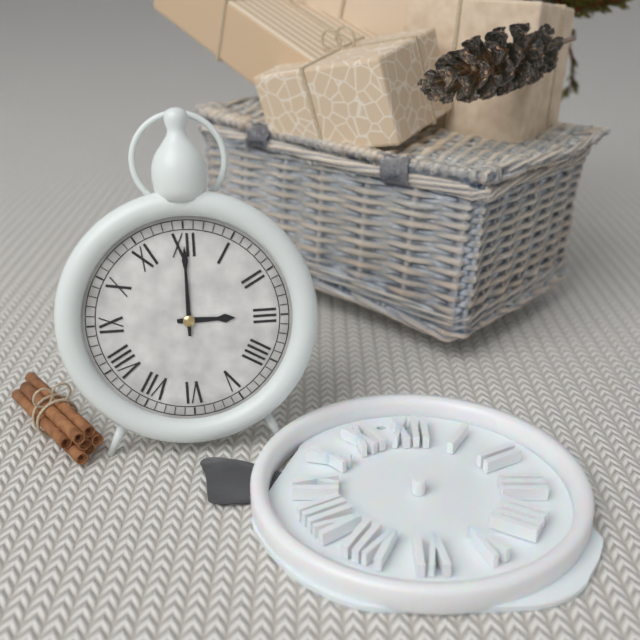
3h00
